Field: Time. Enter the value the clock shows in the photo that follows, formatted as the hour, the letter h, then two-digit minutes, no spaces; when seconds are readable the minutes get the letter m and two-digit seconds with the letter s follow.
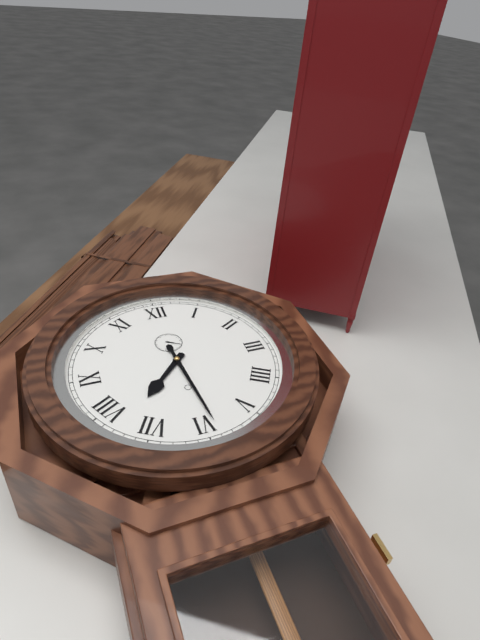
7h29
